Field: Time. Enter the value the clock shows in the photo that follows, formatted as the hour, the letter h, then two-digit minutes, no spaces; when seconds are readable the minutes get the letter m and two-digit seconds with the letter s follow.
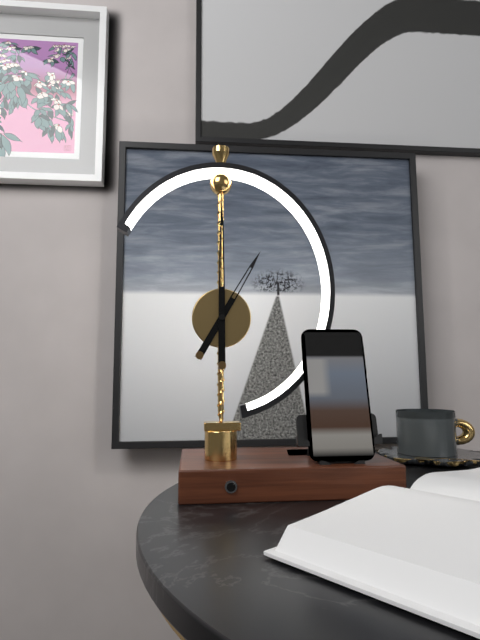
1h00
